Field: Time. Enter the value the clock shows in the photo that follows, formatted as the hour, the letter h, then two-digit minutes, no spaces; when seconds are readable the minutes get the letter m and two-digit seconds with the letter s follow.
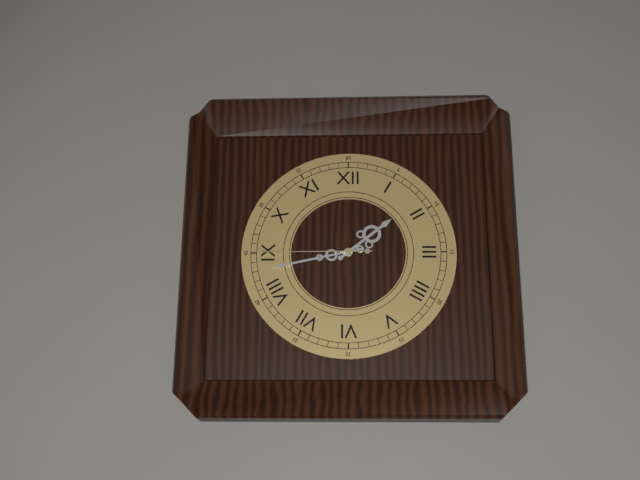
1h43m45s
